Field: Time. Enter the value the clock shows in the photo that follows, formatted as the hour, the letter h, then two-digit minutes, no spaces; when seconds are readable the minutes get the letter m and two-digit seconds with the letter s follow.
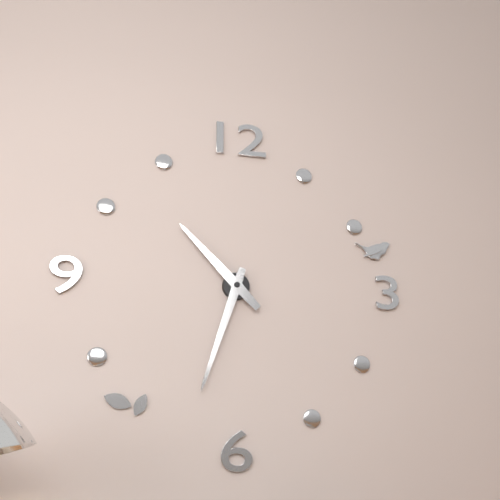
10h33
